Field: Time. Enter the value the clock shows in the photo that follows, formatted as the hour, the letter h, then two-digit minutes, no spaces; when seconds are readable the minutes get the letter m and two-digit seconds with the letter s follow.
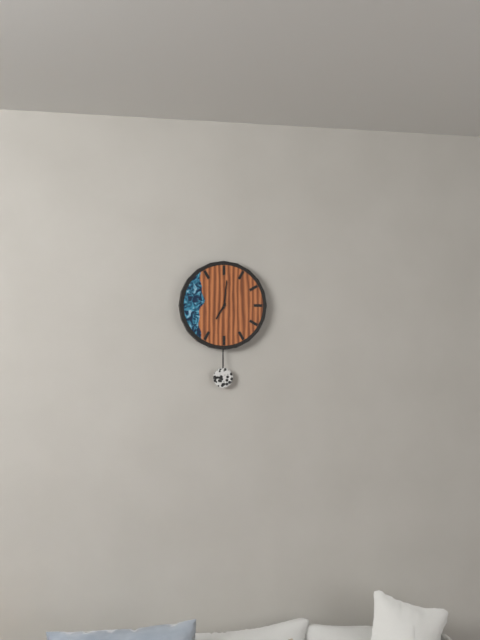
7h01
